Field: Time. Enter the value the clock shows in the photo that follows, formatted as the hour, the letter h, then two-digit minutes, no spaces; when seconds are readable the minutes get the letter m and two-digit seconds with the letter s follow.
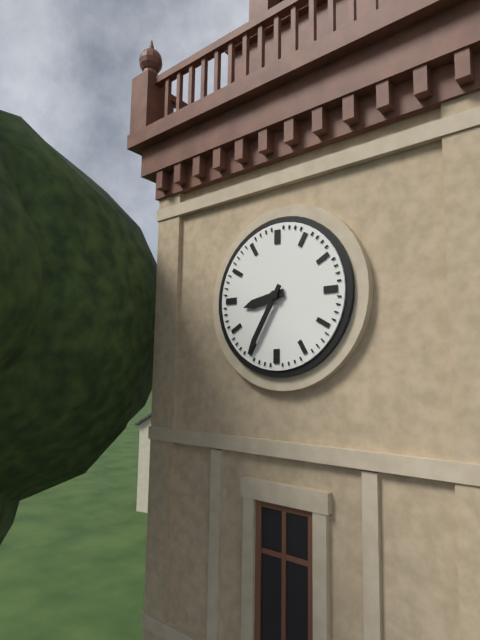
8h35
